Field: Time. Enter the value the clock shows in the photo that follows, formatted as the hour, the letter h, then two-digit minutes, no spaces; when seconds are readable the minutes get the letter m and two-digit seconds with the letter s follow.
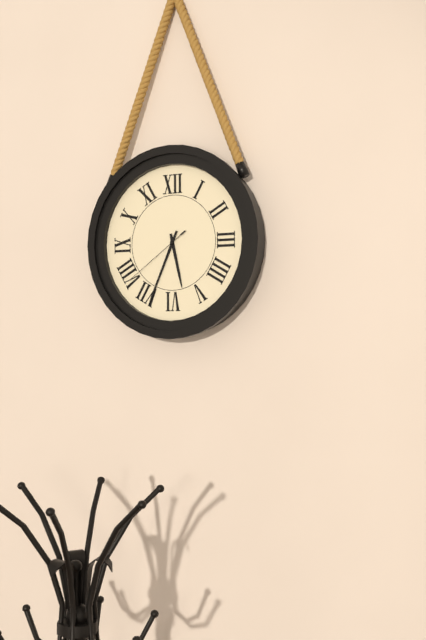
5h34m39s
